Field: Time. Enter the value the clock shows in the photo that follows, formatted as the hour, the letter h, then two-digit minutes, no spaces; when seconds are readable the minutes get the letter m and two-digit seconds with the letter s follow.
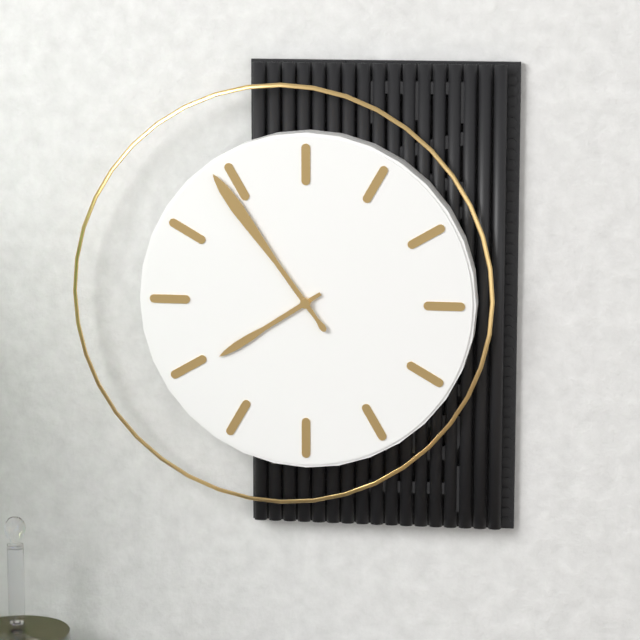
7h54
